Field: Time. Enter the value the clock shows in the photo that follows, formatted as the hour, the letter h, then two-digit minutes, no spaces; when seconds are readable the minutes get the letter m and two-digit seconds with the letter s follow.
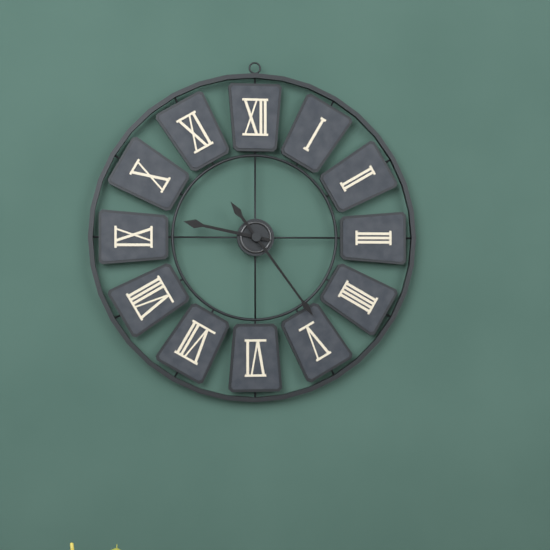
9h24
